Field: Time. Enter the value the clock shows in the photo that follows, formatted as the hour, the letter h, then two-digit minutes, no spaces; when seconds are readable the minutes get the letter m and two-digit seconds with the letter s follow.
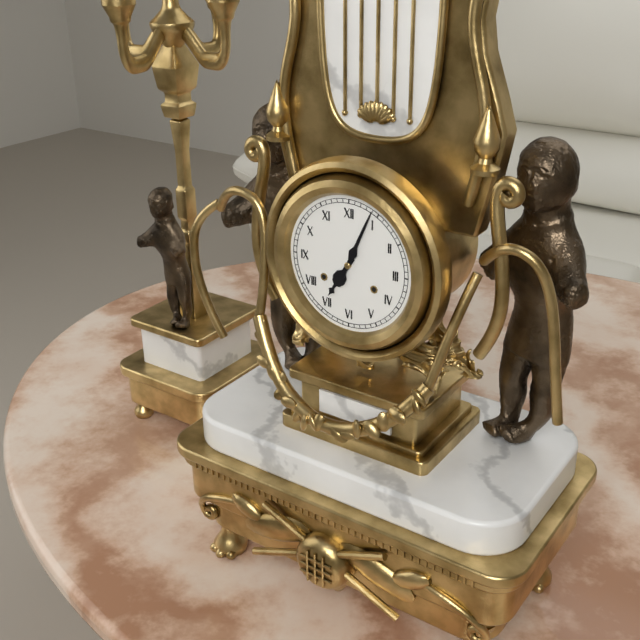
7h04
